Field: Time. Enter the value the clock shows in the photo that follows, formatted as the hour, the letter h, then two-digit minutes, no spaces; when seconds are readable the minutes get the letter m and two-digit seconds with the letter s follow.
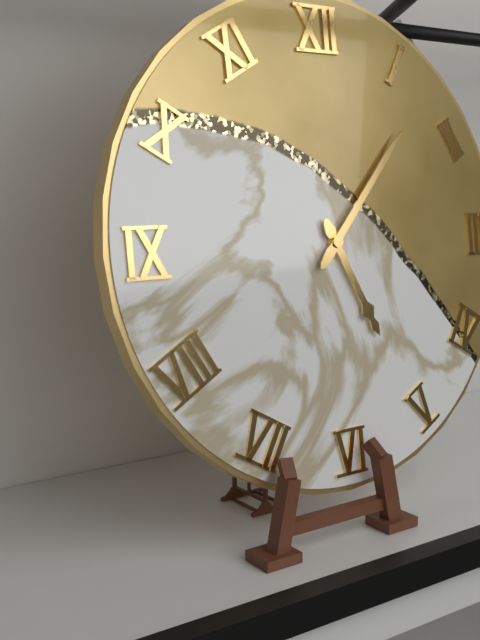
5h07
